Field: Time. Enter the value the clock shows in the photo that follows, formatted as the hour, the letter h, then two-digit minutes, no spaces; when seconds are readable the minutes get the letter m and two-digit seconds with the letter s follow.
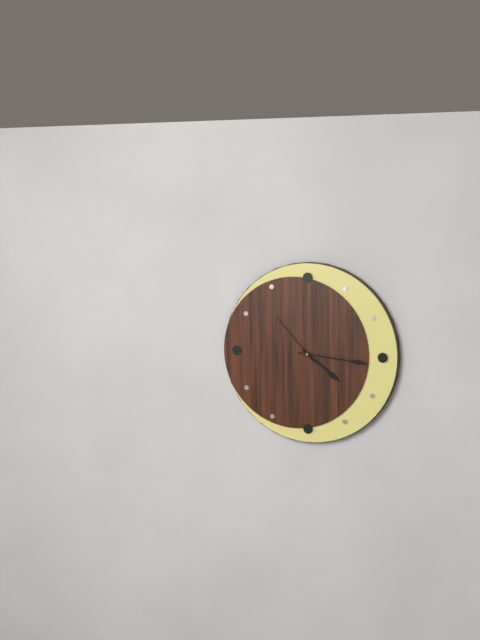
4h16m53s
